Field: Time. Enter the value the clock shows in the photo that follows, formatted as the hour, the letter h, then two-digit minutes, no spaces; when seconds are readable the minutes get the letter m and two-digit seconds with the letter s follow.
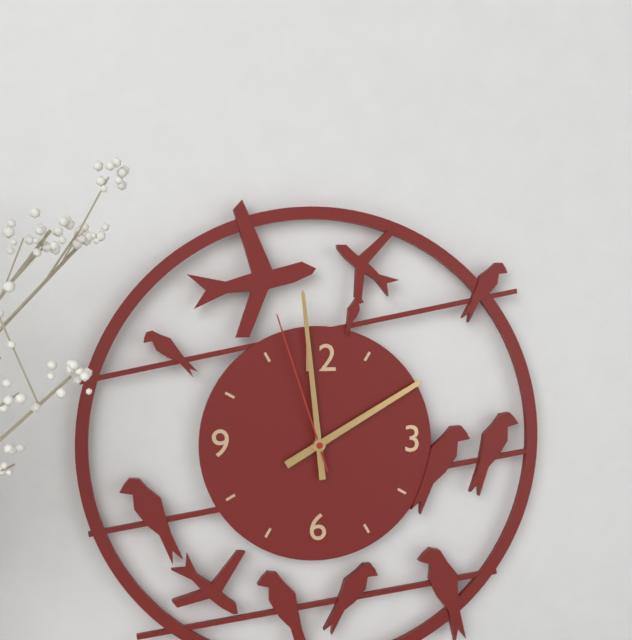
1h59m57s
